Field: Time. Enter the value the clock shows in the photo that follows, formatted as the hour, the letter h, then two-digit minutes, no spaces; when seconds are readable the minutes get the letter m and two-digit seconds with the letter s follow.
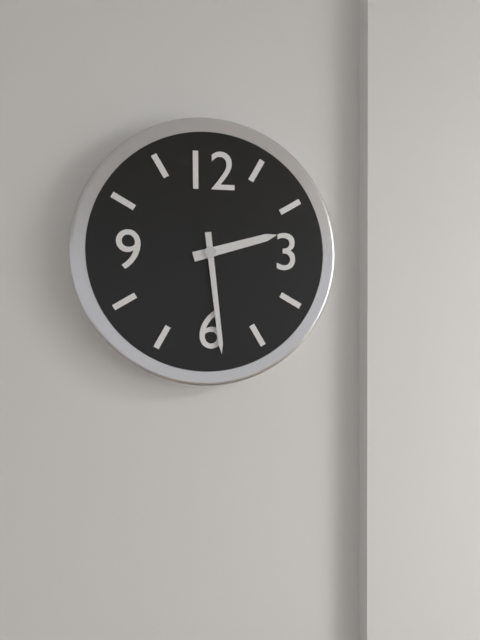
2h29
